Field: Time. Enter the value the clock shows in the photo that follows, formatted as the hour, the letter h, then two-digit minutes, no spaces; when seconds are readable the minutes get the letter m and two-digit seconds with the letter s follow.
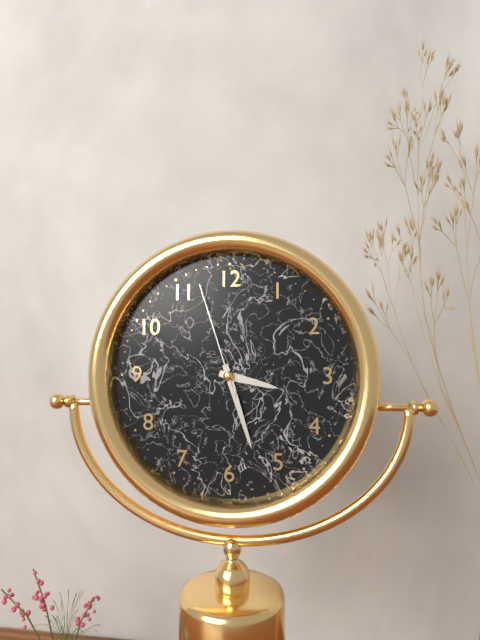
3h27m57s
